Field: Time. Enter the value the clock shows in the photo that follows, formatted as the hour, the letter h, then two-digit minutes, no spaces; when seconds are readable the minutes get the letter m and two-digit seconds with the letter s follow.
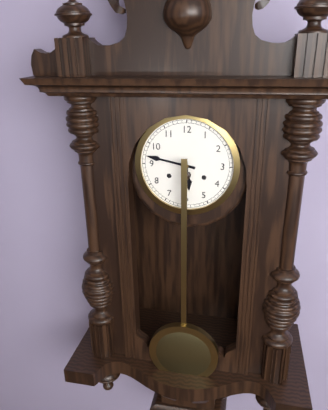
5h47
